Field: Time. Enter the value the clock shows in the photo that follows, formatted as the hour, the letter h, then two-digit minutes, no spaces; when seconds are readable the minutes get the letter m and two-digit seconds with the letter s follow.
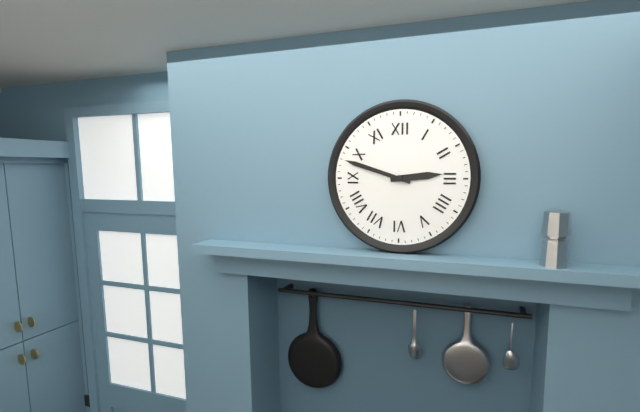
2h48
